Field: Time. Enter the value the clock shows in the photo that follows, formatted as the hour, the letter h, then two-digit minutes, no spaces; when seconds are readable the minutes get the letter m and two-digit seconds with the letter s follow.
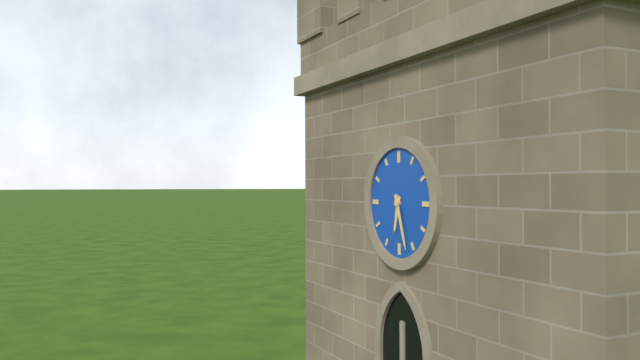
6h27
